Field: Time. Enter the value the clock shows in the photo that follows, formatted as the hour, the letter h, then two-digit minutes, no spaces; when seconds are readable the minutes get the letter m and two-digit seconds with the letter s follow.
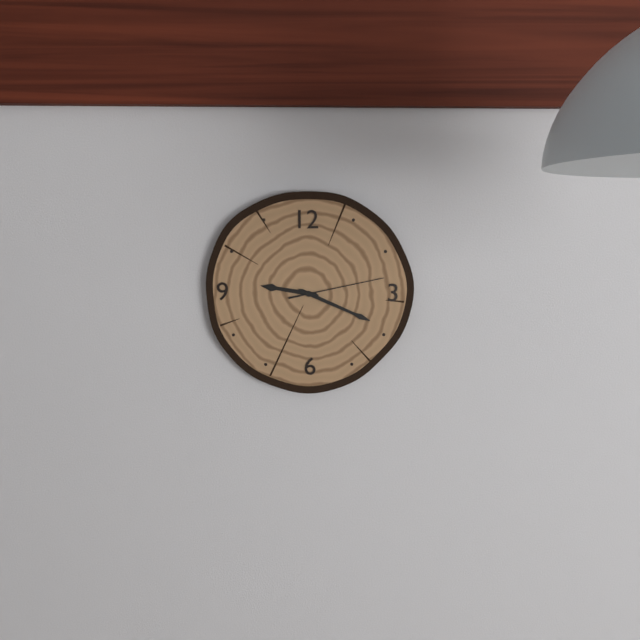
9h19m13s
